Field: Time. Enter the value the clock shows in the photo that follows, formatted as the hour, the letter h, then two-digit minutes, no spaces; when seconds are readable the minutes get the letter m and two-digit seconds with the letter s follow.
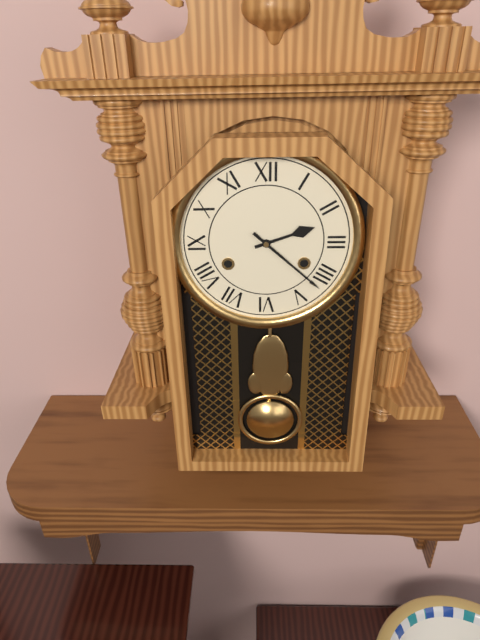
2h22
